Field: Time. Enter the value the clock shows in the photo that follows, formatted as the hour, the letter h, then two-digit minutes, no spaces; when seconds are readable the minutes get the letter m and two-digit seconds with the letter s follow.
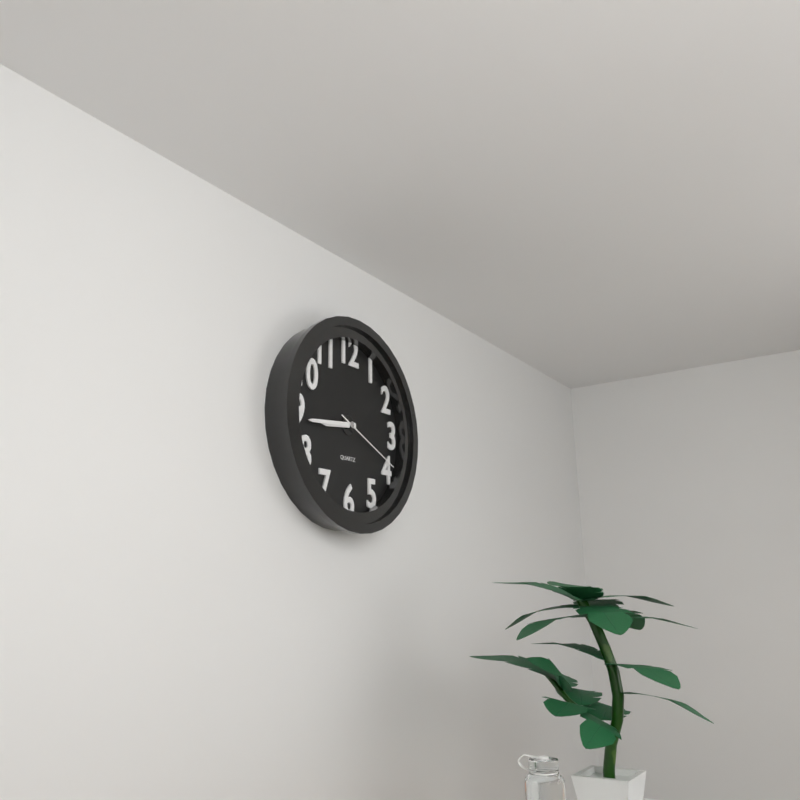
8h44m19s
